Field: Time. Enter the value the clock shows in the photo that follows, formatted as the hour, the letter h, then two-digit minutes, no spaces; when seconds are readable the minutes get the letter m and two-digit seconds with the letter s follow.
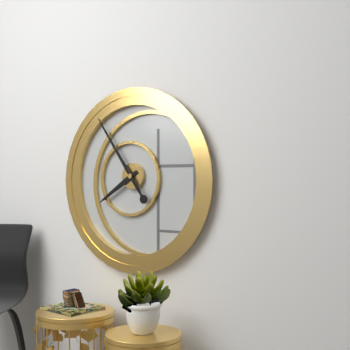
7h54
